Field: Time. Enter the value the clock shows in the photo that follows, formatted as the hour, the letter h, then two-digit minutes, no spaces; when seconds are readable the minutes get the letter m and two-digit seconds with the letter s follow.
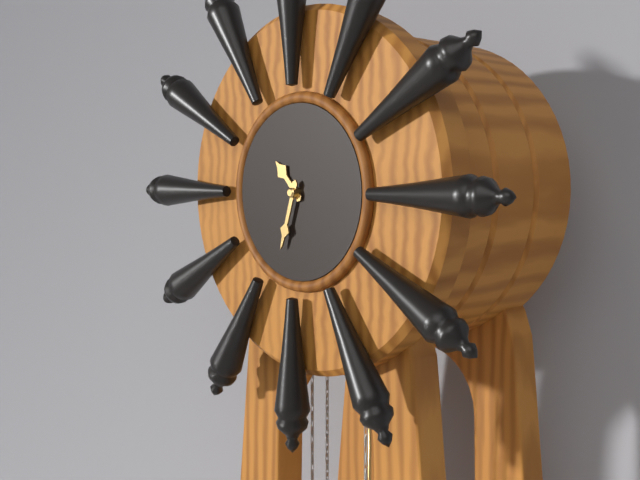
10h33
